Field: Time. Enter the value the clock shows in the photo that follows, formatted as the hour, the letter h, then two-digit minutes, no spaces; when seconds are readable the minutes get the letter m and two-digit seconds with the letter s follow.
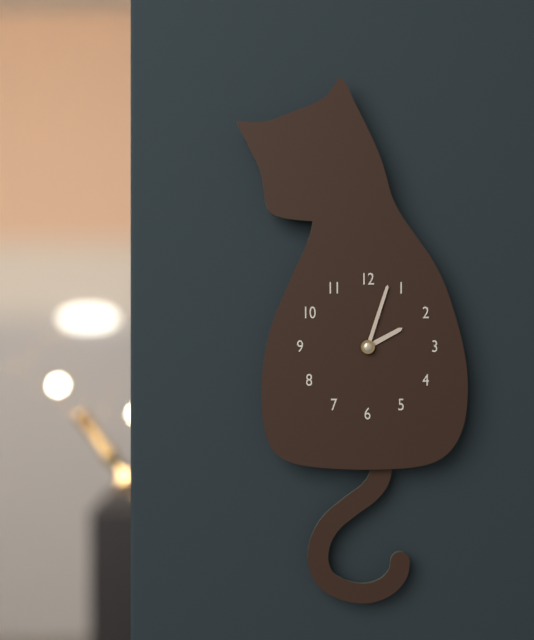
2h03
